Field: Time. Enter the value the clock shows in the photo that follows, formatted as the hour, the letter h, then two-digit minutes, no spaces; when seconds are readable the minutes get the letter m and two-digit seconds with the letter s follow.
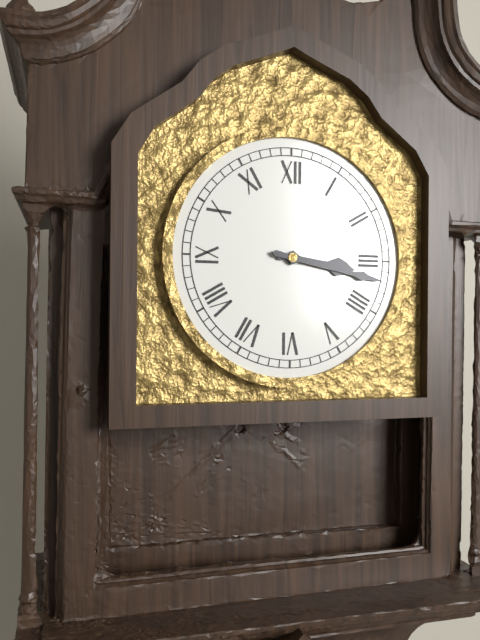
3h17
